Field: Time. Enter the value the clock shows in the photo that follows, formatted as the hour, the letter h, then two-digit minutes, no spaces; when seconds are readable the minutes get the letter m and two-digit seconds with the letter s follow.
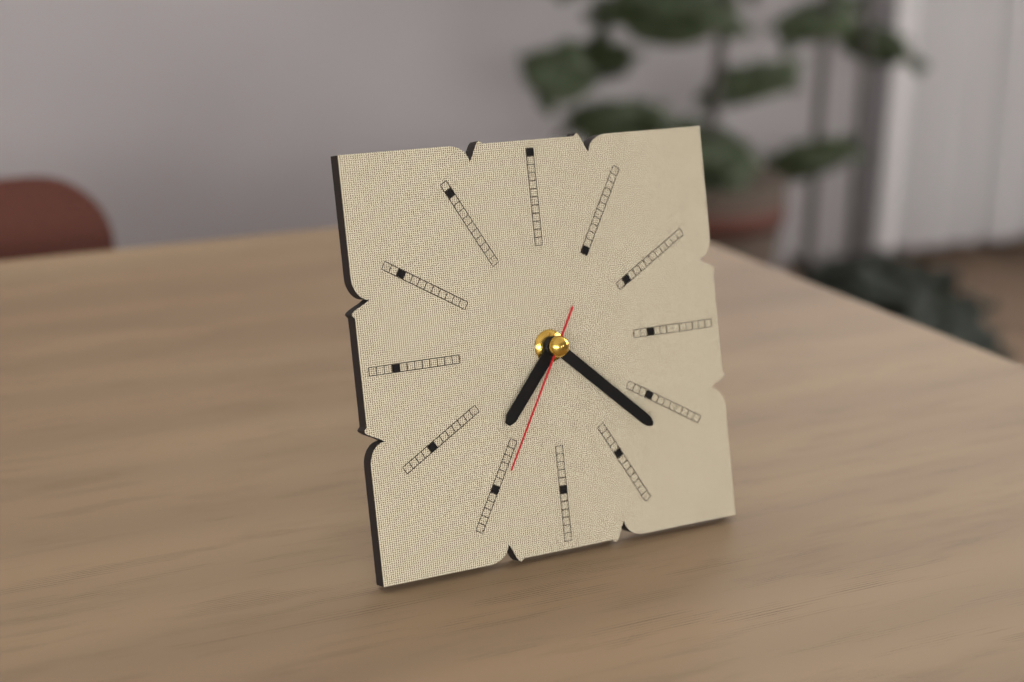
7h22m35s
